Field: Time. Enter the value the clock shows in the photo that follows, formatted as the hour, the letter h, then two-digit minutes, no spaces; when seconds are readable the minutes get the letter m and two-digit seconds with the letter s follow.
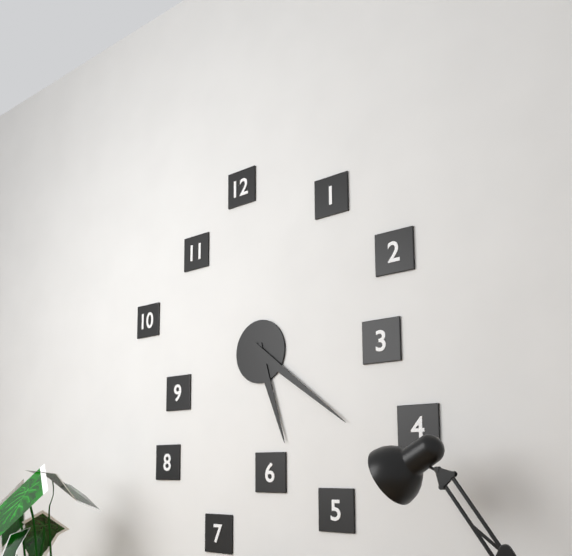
5h21
